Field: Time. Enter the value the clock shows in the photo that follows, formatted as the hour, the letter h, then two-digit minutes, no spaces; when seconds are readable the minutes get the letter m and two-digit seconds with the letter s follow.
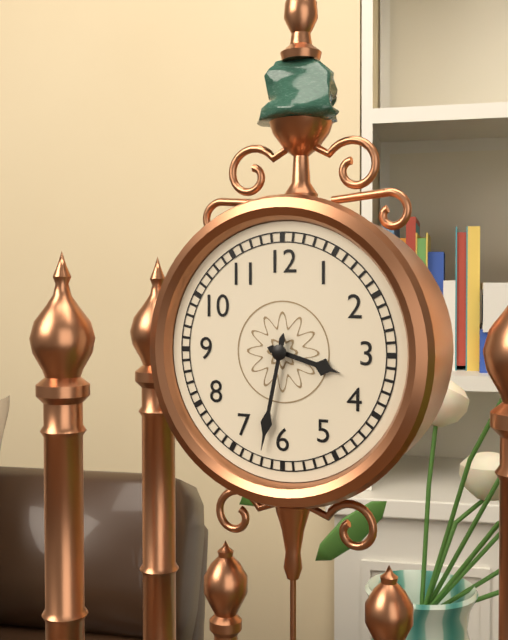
3h32
